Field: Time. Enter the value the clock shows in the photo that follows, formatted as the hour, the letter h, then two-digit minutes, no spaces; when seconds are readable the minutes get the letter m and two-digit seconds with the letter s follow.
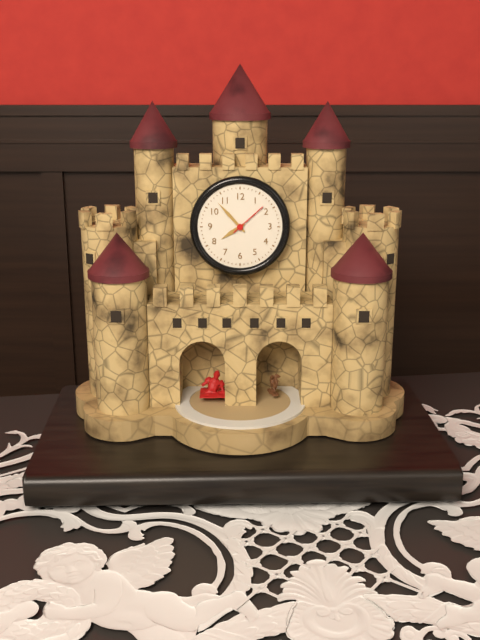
7h53
